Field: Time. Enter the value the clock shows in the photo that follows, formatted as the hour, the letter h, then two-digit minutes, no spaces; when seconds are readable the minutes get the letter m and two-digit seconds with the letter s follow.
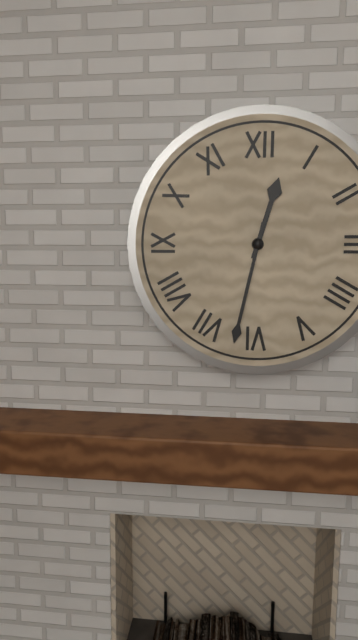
12h32
